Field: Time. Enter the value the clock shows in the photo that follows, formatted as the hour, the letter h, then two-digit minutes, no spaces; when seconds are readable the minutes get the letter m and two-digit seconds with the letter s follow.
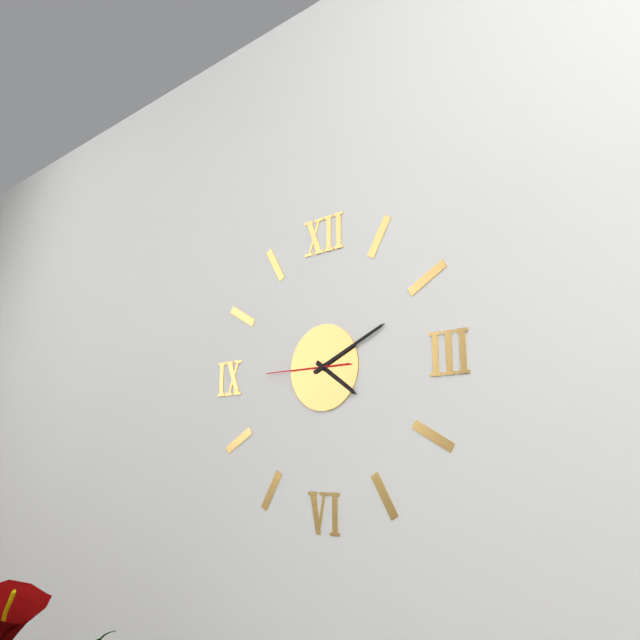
4h11m45s
